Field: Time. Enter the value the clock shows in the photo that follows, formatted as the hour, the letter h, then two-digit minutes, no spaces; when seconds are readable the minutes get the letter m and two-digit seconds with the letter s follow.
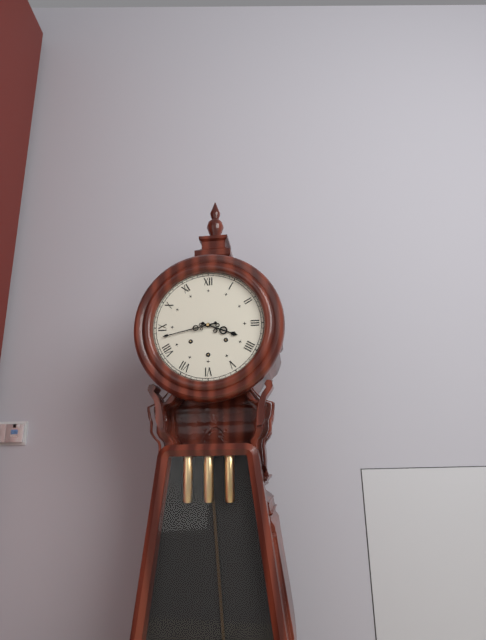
3h43
